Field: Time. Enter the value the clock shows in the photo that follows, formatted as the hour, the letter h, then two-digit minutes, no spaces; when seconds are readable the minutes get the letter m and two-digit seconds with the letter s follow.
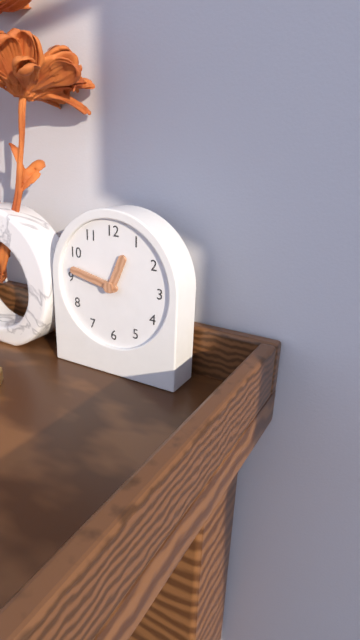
12h47
